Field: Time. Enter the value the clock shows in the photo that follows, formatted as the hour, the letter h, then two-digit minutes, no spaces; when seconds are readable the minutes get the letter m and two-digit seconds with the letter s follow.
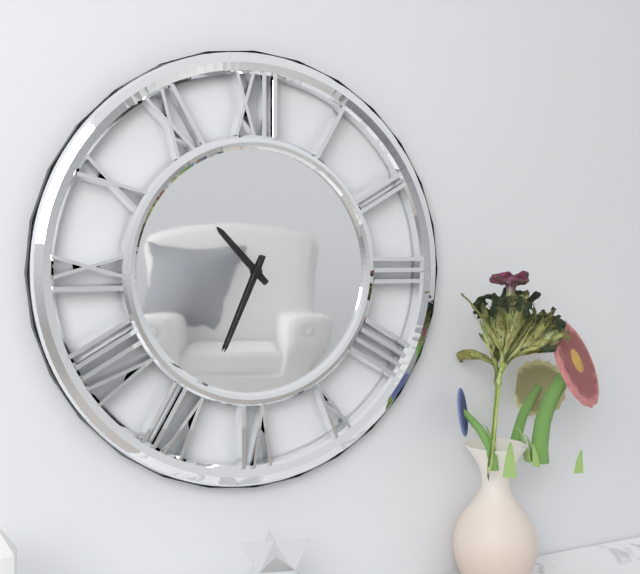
10h34
